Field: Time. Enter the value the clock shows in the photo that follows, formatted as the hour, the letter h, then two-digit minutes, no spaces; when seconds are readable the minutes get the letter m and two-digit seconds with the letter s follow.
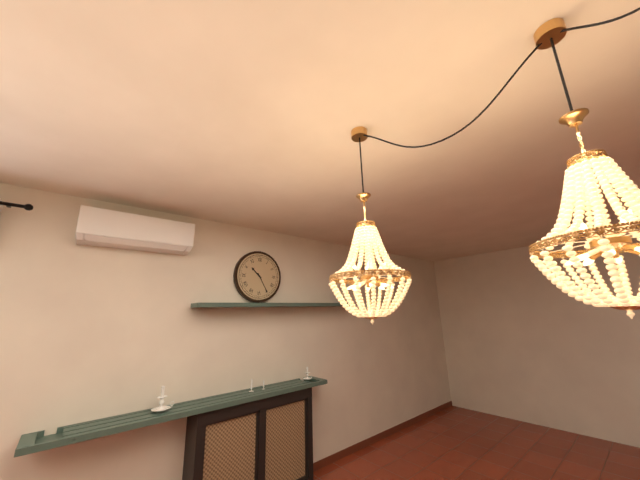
10h25
